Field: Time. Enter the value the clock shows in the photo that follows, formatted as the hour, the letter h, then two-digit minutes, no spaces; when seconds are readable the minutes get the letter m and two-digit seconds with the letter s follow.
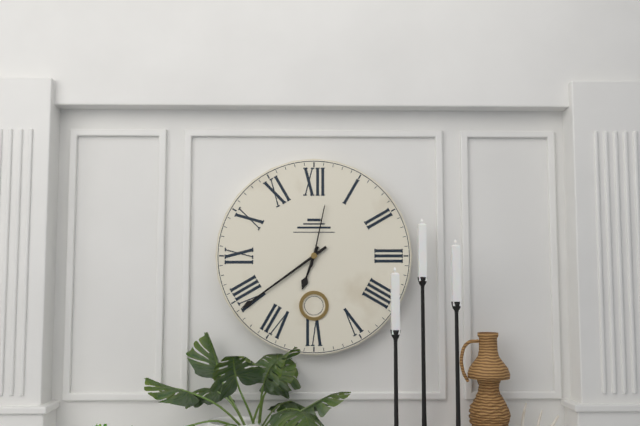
6h39m02s
